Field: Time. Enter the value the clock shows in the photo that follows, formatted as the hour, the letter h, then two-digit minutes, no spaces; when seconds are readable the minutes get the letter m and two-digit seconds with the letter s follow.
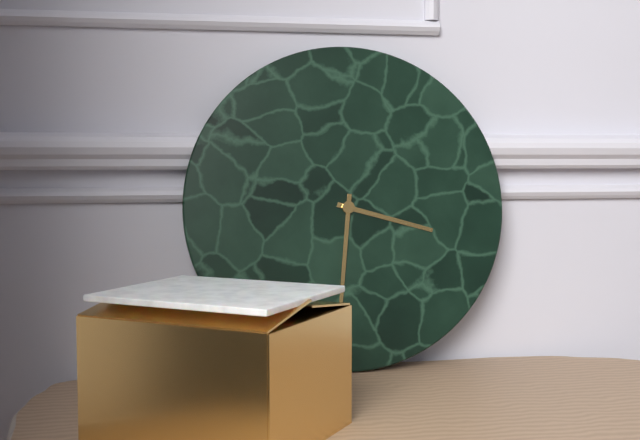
3h31
